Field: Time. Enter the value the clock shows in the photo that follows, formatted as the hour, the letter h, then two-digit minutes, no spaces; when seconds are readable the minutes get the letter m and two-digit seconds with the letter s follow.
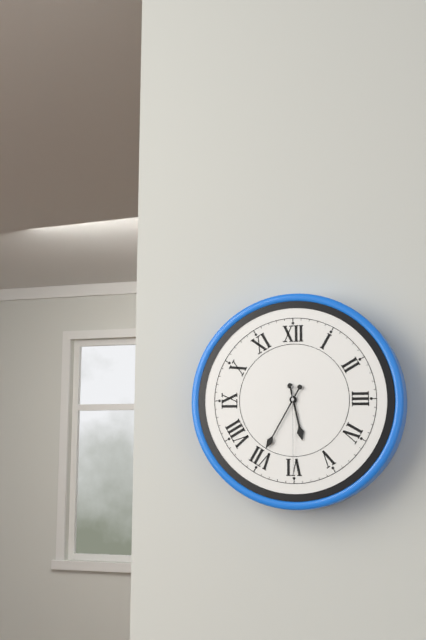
5h35m30s
